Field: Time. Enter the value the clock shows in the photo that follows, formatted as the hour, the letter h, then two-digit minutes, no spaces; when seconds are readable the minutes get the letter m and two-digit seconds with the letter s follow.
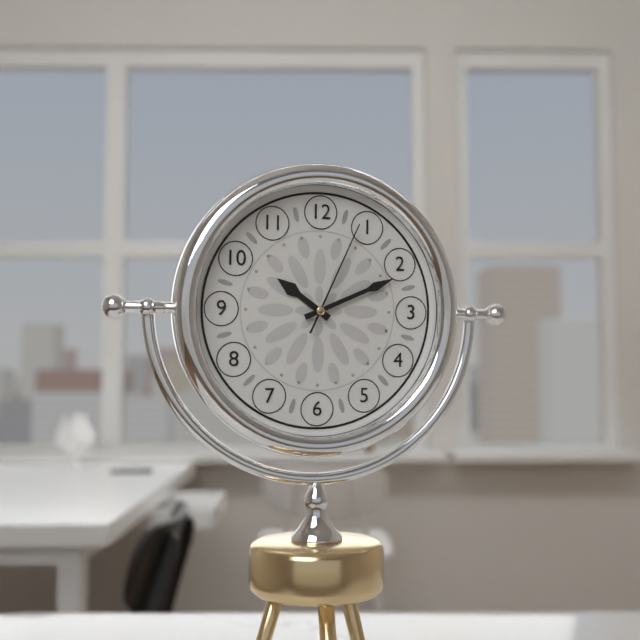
10h11m04s
